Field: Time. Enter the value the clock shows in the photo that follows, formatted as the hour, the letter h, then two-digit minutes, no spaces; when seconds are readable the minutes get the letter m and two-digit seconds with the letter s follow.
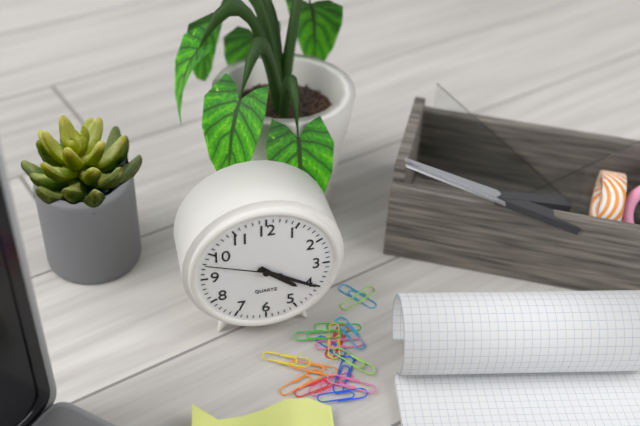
4h20m48s
